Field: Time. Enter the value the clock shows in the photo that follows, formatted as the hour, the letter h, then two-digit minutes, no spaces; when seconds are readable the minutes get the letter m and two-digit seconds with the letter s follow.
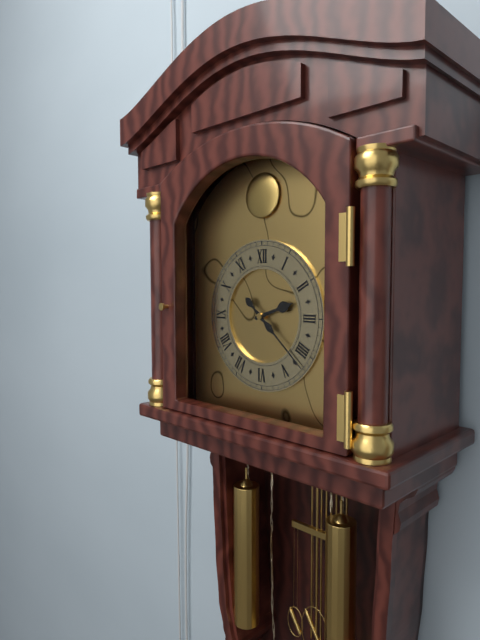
2h22
